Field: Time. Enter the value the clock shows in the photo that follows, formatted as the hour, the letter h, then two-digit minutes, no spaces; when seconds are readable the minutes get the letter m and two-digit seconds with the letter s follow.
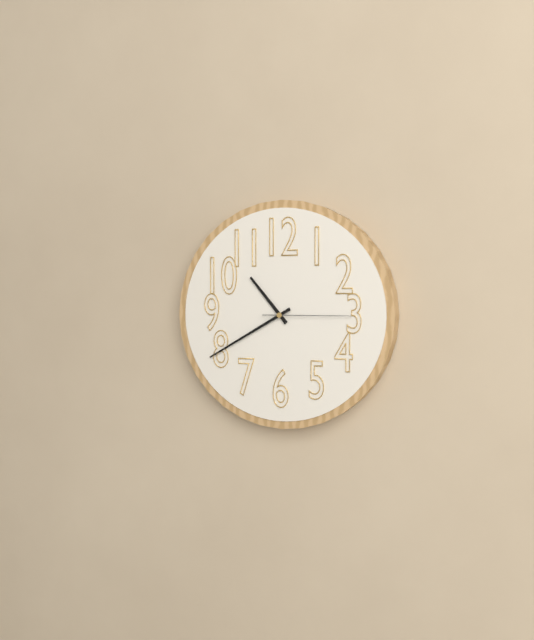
10h40m15s
